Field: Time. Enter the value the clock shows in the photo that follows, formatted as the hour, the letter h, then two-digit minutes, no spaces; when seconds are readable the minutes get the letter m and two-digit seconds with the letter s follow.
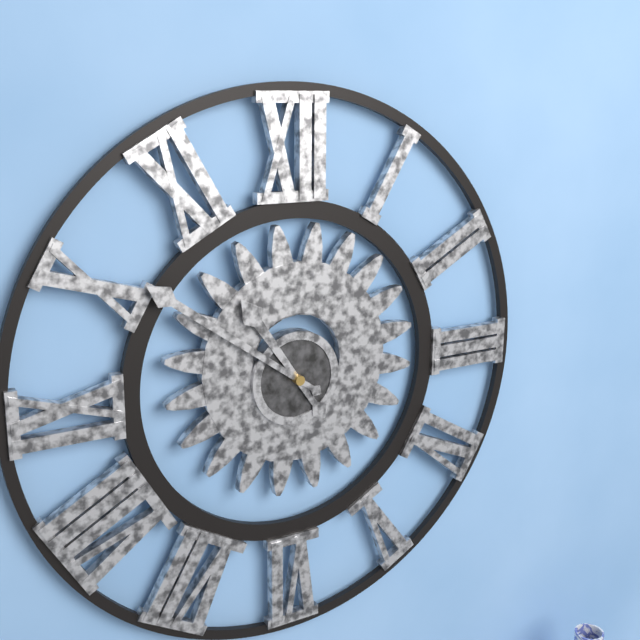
10h51
